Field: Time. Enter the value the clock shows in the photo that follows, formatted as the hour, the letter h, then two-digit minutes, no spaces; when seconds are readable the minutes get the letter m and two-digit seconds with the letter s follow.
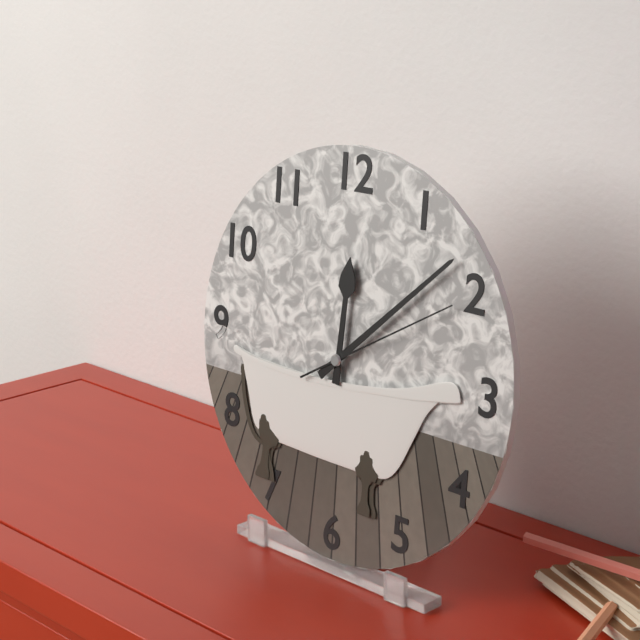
12h08m10s
